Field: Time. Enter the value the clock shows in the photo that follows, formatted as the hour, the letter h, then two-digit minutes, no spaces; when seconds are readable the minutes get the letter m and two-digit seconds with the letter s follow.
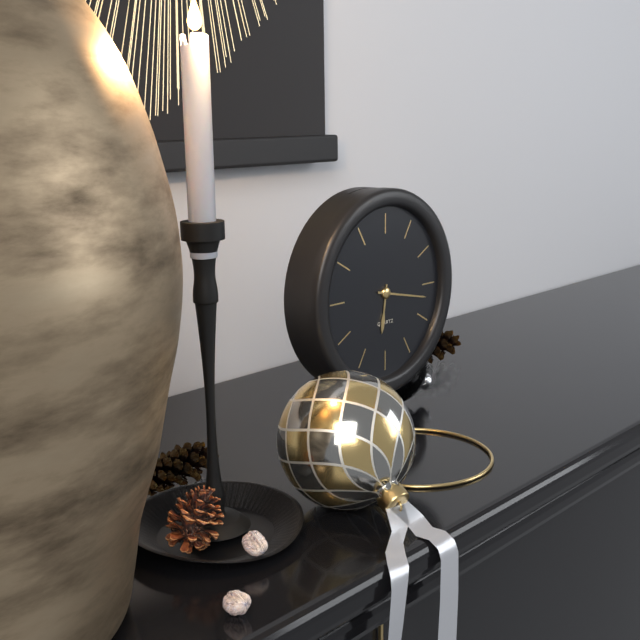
6h17
